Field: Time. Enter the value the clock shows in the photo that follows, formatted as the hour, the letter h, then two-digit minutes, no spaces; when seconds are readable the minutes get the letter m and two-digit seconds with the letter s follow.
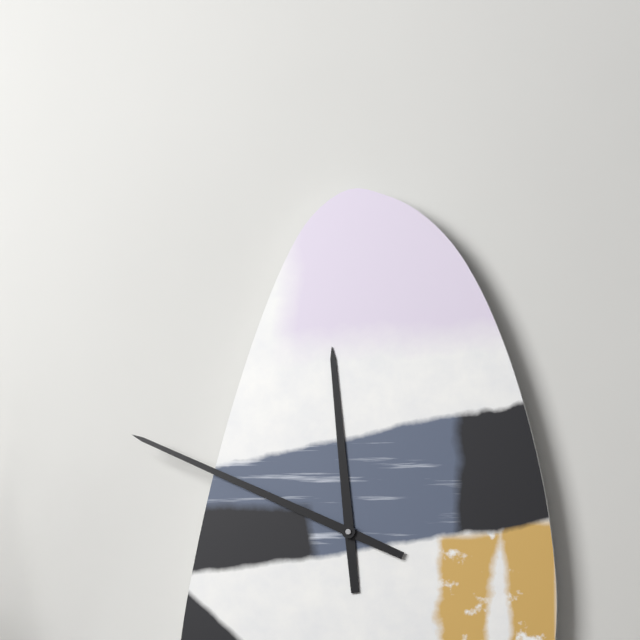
11h49
